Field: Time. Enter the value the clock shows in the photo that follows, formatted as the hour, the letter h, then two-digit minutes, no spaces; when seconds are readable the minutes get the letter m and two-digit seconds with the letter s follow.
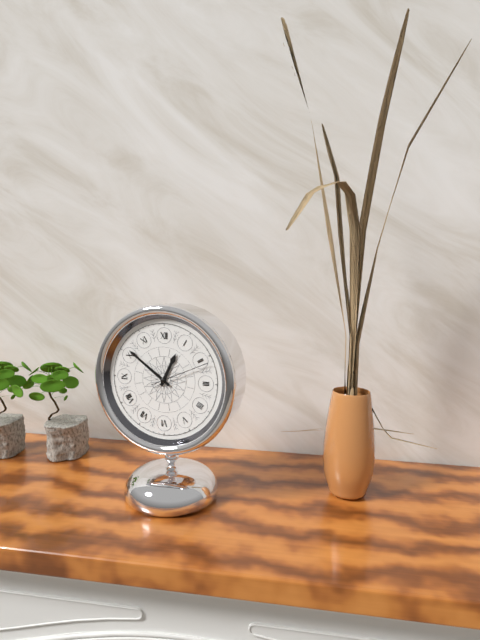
12h51m11s
